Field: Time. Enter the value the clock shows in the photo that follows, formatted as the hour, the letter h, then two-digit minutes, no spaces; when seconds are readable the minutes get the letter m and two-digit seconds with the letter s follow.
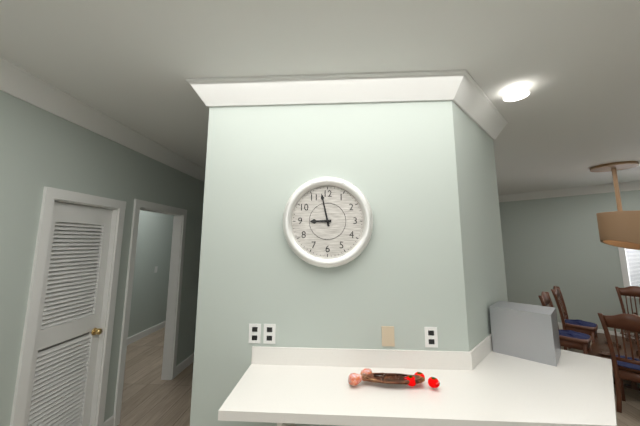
8h58
